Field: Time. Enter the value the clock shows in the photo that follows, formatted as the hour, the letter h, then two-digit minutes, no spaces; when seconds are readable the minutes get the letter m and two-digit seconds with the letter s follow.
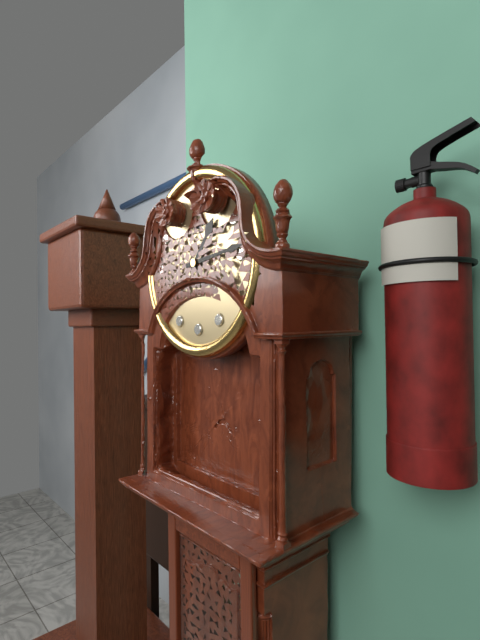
1h14
